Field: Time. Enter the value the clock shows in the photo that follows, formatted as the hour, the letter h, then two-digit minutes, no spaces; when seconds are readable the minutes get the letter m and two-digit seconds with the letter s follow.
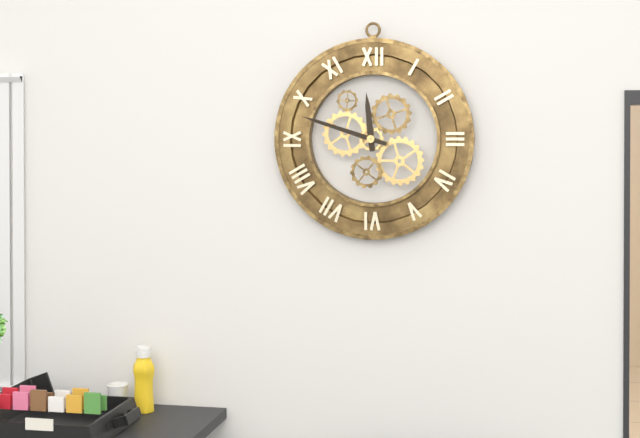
11h48
